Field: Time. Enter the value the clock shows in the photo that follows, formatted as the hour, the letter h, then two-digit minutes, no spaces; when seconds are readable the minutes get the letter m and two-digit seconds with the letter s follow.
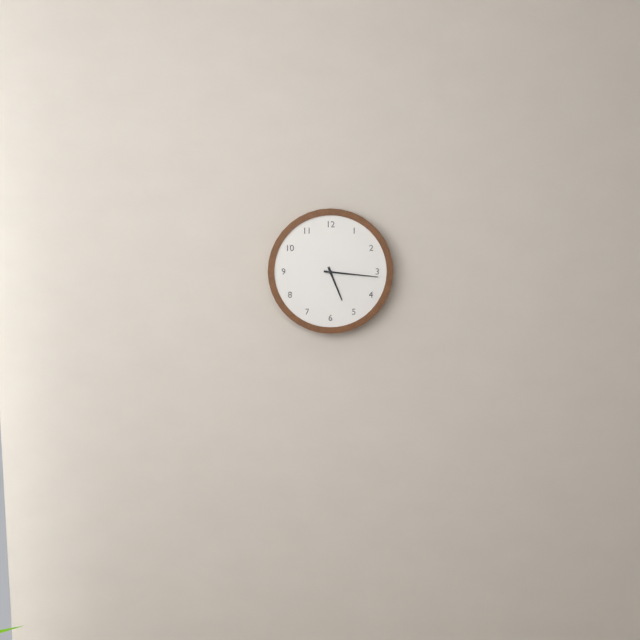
5h16
